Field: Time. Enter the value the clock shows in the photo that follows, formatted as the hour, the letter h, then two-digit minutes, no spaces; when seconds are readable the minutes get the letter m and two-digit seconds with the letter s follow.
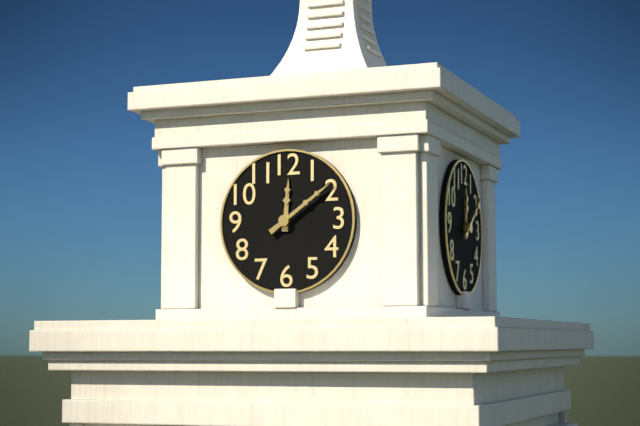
12h09
